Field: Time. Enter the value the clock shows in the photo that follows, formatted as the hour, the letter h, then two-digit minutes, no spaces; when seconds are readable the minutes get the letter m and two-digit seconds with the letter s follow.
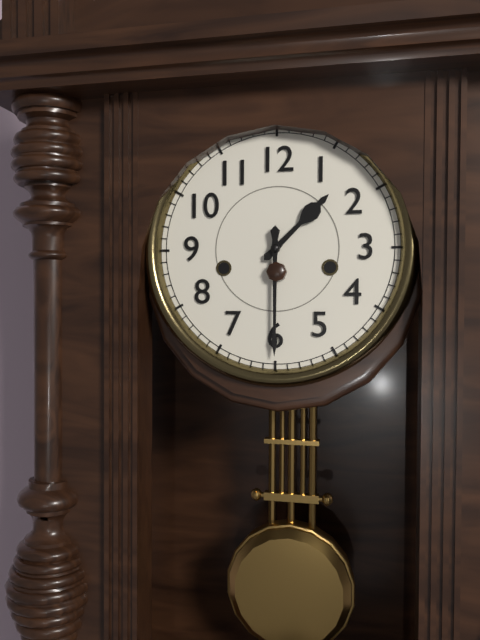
1h30
